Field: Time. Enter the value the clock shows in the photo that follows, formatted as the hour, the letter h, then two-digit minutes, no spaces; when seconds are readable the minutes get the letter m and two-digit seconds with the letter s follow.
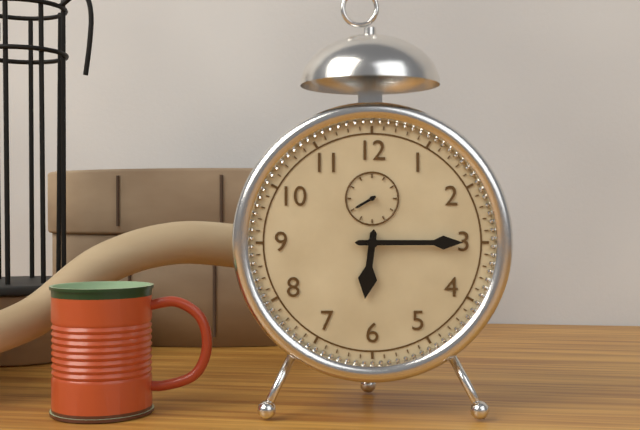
6h15
